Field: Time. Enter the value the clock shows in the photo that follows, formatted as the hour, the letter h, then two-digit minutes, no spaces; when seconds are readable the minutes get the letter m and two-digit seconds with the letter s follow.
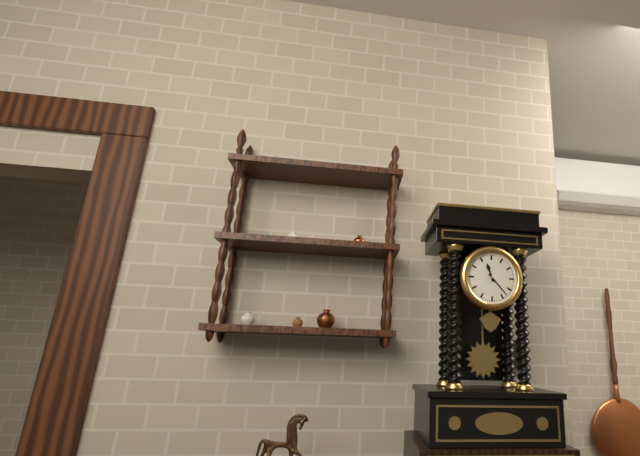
11h23
